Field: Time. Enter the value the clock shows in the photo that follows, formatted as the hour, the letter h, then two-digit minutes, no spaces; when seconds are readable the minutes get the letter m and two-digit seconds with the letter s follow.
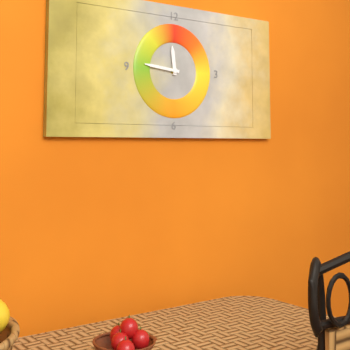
11h46
